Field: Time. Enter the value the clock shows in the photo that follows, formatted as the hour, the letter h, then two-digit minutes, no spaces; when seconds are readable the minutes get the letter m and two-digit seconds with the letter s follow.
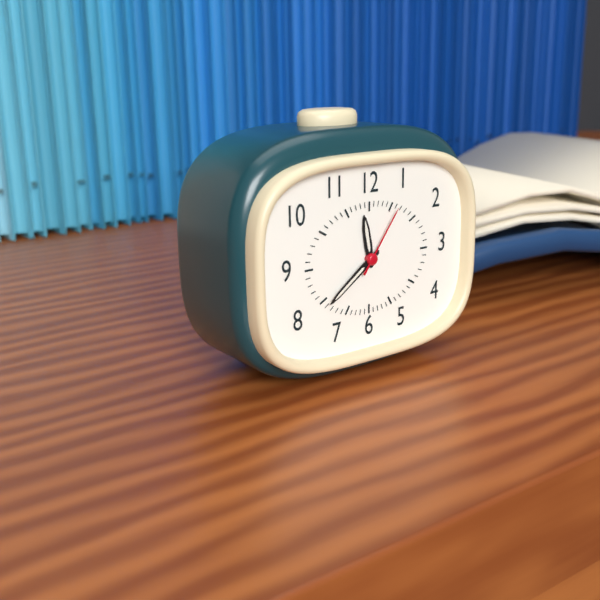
11h39m06s
